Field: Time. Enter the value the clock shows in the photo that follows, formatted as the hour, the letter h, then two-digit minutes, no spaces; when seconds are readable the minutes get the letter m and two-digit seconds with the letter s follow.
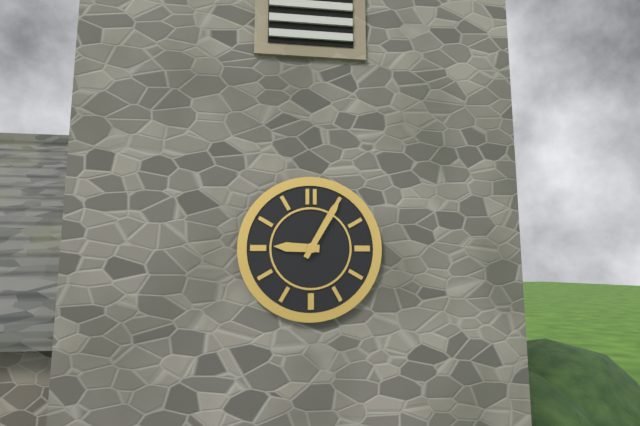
9h05
